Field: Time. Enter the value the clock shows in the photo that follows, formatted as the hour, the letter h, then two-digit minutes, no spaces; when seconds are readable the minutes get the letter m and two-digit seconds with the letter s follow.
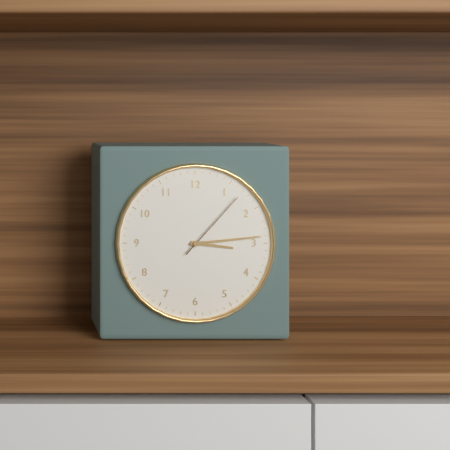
3h14m07s
